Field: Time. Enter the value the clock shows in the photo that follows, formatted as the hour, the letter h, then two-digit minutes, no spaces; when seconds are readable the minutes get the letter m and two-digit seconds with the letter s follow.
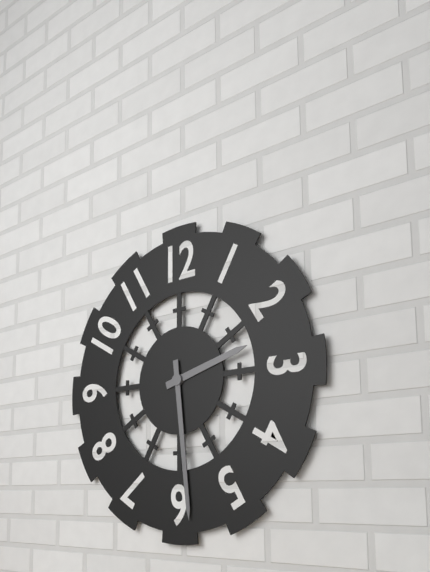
2h29
